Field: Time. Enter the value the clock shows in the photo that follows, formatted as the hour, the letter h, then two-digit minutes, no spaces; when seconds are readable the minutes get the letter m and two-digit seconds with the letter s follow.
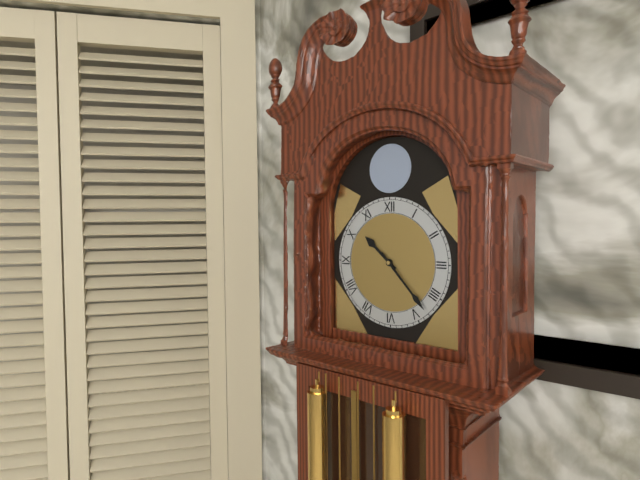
10h23
